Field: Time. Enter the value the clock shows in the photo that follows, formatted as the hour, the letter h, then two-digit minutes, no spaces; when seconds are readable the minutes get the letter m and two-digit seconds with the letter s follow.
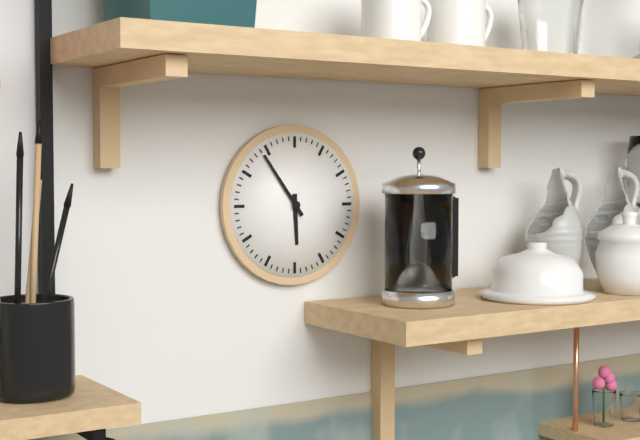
5h54
